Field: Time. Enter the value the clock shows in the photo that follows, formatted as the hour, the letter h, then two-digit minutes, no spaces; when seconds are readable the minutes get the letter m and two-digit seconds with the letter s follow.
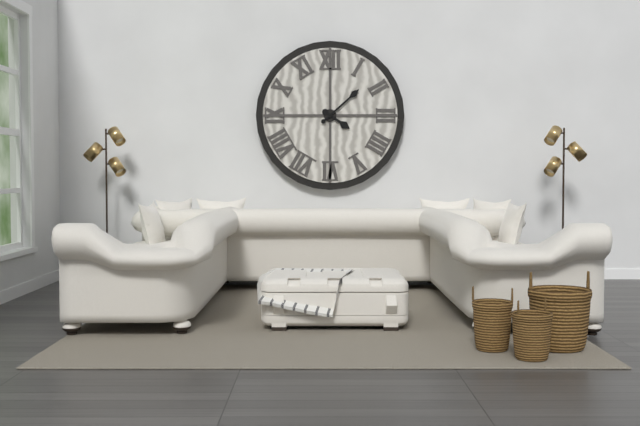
4h08
